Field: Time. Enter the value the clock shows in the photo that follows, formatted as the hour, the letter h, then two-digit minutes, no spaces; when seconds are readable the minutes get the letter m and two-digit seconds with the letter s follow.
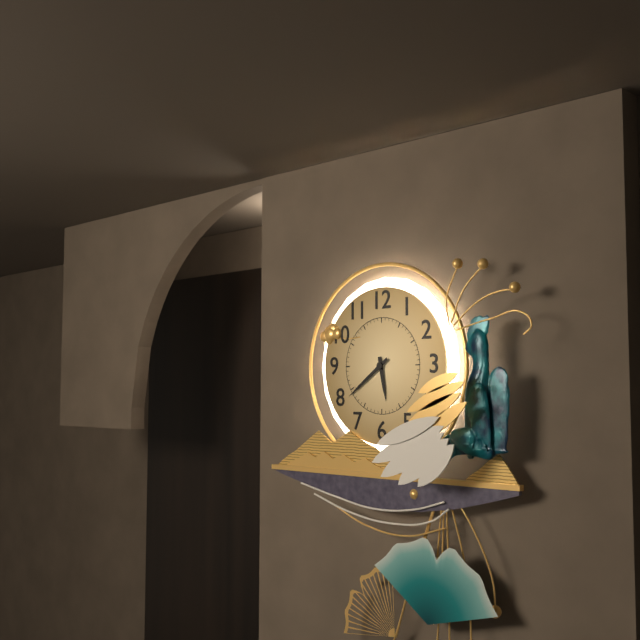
5h39
